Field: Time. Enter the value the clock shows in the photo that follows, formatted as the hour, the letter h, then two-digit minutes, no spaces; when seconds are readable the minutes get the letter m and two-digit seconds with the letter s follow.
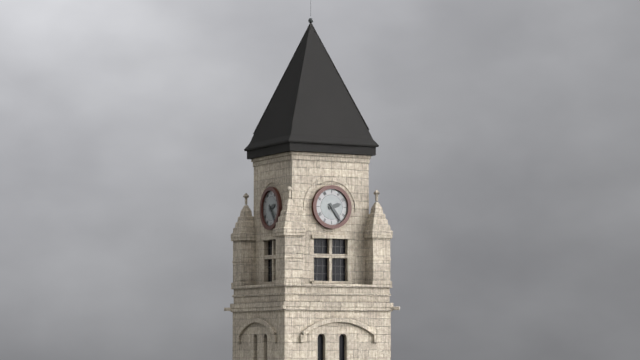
2h24
